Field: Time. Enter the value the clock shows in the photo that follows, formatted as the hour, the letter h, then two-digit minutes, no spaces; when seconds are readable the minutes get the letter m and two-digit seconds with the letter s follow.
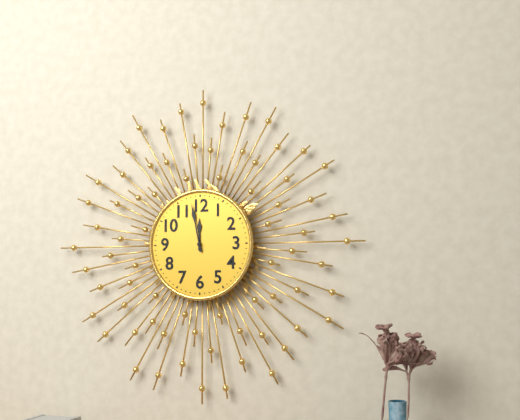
11h58
